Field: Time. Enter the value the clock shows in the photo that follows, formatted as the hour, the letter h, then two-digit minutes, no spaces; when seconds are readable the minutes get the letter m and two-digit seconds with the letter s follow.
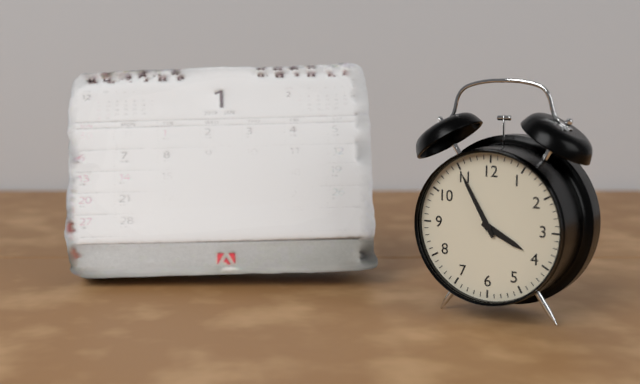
3h55
